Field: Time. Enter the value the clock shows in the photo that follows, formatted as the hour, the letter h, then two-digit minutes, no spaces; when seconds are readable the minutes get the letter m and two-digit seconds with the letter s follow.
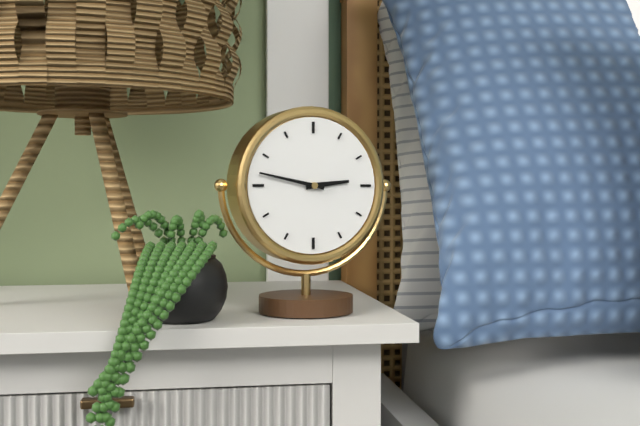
2h47
